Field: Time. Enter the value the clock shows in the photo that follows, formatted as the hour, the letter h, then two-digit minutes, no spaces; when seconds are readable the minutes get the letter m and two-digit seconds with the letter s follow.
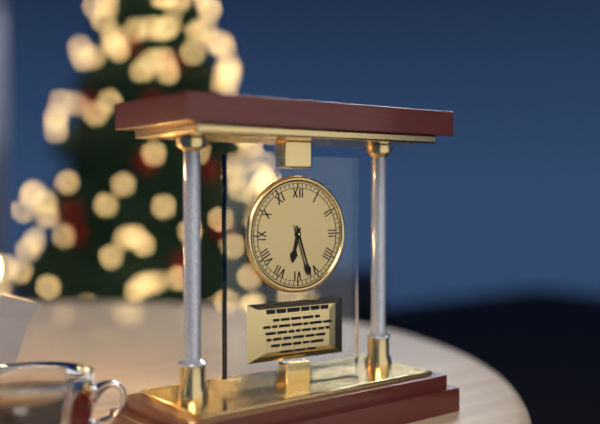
6h27
